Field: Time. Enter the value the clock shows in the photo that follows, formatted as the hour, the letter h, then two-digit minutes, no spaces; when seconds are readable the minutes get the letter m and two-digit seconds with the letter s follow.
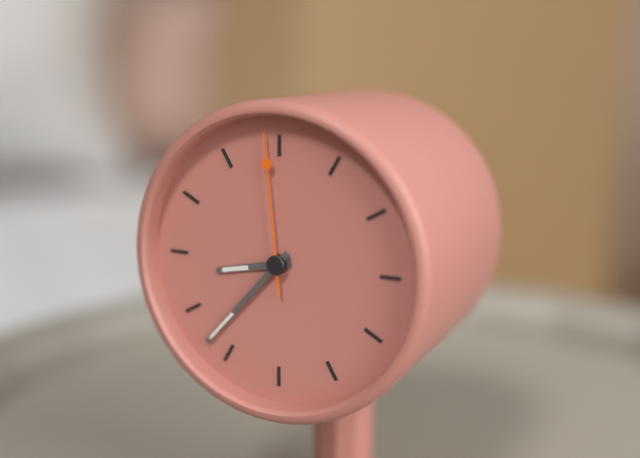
8h37m59s
